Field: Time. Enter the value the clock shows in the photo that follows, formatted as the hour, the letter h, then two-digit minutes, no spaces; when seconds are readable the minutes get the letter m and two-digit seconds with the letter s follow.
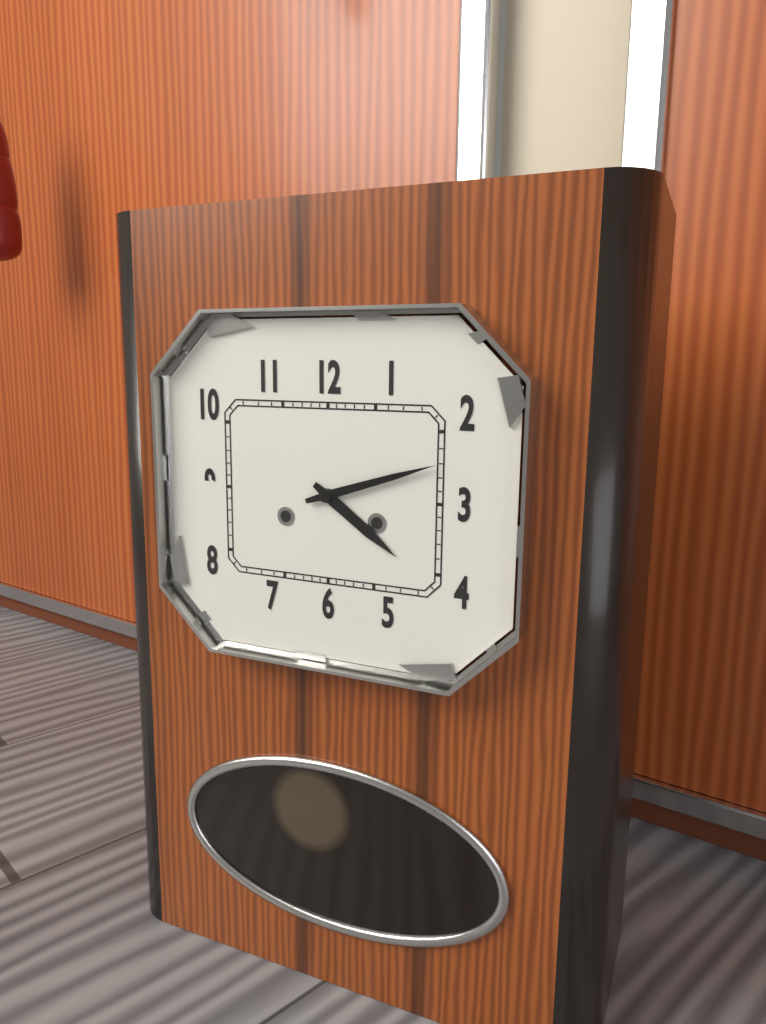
4h12
